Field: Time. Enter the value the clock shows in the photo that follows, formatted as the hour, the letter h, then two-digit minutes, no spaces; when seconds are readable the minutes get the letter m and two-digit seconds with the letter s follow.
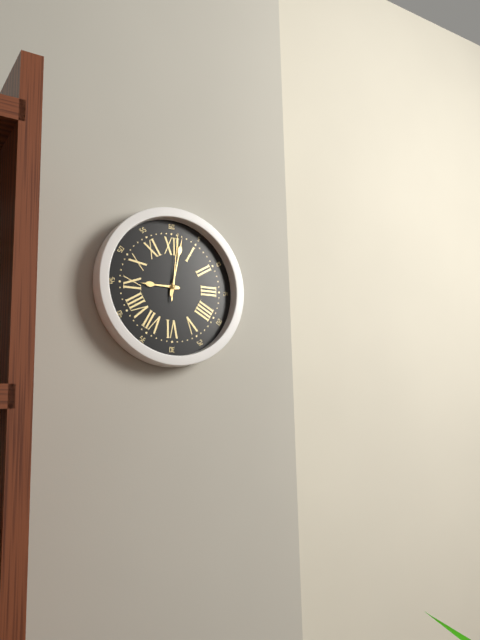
9h02m01s
